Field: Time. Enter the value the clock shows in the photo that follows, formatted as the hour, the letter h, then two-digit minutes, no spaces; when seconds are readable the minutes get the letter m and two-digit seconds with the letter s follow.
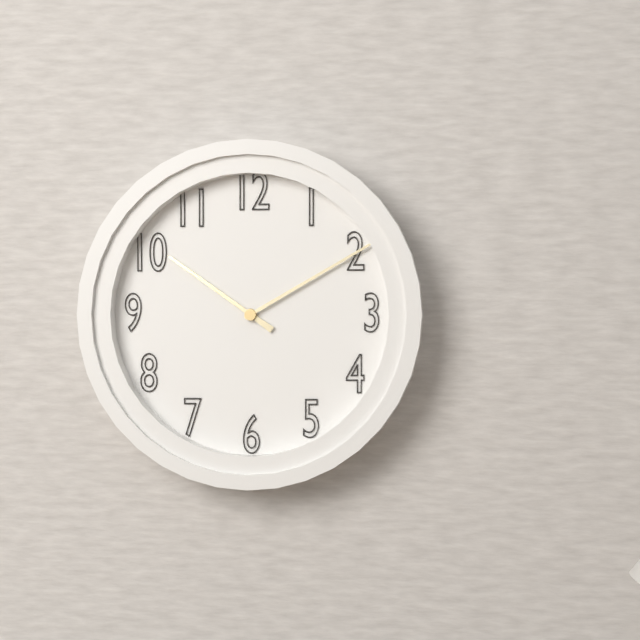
10h10
